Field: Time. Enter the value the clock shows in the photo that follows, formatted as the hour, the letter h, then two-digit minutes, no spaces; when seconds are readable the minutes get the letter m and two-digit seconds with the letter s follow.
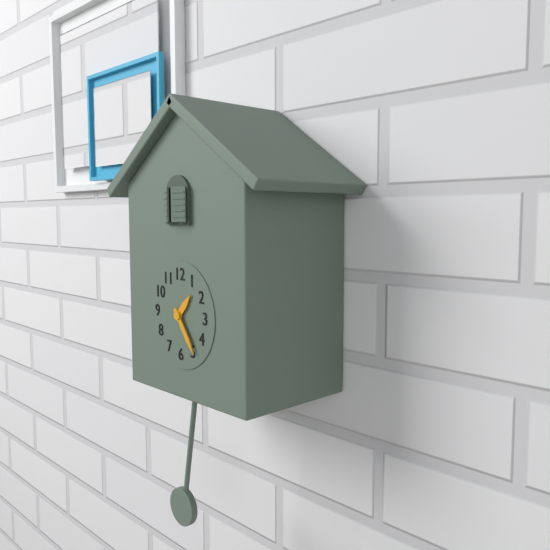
1h24
